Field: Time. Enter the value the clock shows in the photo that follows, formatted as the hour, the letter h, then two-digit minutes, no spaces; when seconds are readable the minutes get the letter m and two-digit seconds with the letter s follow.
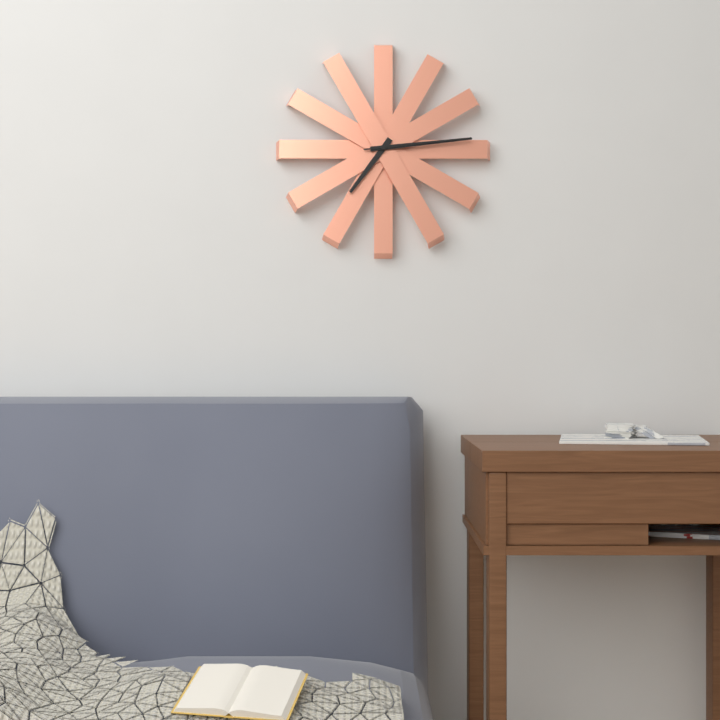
7h14m14s
